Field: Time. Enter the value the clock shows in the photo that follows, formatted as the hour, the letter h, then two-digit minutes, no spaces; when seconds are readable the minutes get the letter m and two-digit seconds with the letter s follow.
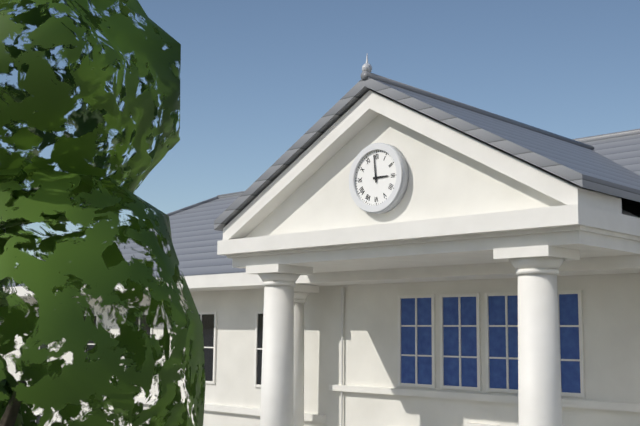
2h59
